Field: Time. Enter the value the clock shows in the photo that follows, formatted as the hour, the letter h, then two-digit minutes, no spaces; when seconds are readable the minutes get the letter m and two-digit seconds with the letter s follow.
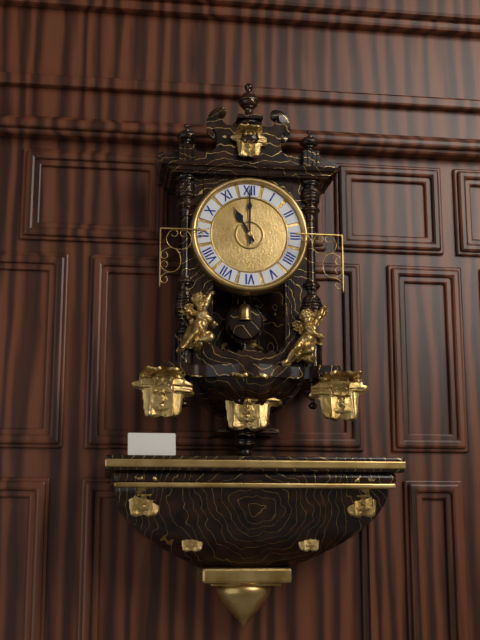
11h00
